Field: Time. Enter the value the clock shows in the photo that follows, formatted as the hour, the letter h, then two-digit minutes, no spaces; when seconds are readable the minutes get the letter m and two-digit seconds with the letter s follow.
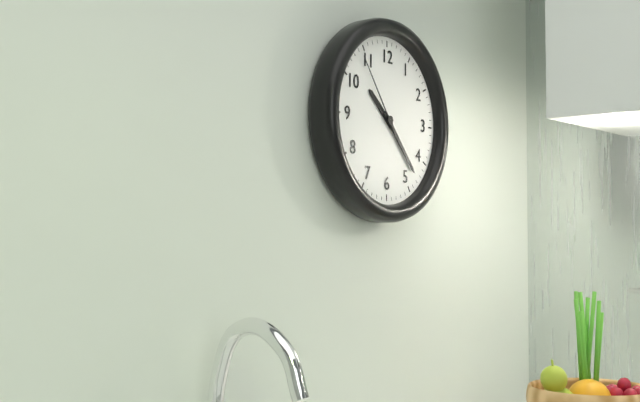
10h23m54s
